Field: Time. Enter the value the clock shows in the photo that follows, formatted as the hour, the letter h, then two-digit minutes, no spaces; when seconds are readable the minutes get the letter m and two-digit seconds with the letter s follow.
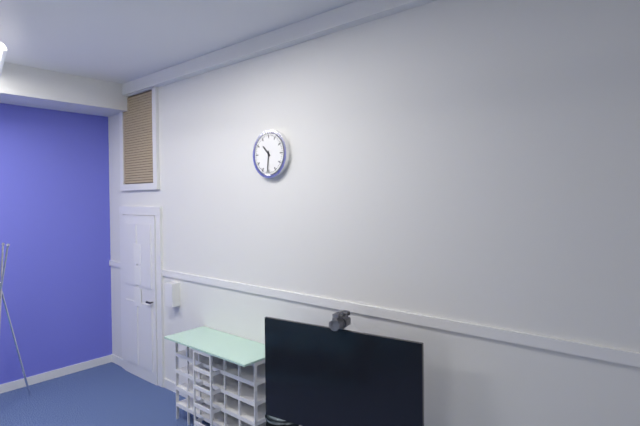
10h31
